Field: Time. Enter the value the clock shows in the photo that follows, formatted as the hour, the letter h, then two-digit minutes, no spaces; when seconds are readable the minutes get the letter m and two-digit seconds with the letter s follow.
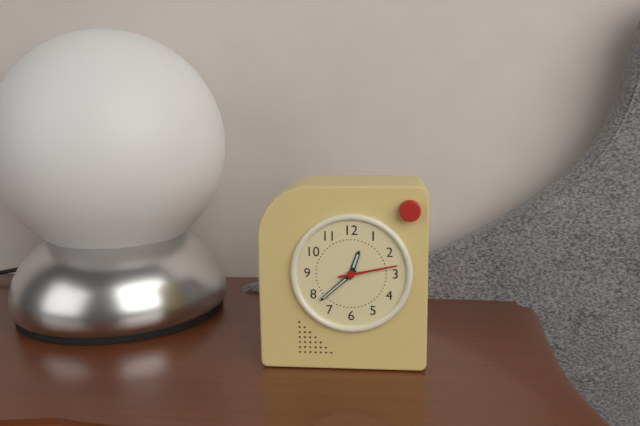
12h38m13s
